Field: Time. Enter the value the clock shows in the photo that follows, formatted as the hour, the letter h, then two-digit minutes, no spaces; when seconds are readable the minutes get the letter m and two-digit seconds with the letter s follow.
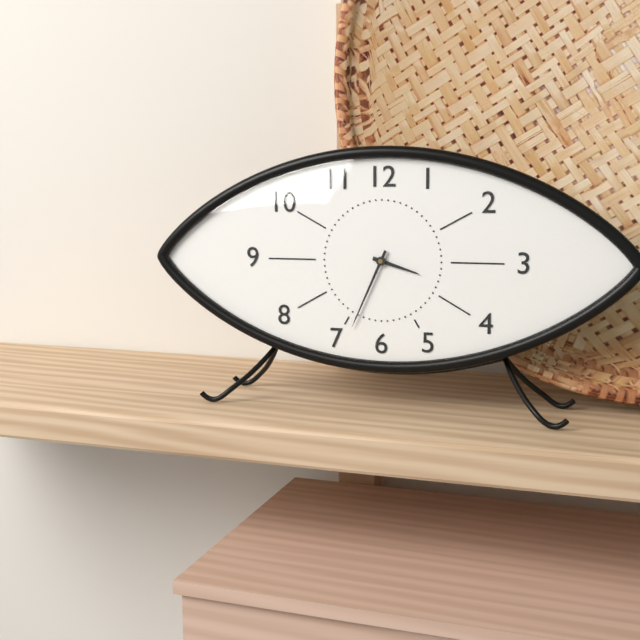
3h34
